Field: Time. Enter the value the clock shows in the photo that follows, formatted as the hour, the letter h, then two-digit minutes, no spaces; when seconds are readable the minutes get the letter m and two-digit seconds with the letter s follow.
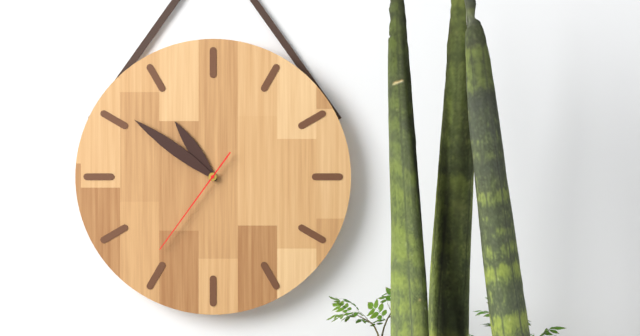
10h51m36s
